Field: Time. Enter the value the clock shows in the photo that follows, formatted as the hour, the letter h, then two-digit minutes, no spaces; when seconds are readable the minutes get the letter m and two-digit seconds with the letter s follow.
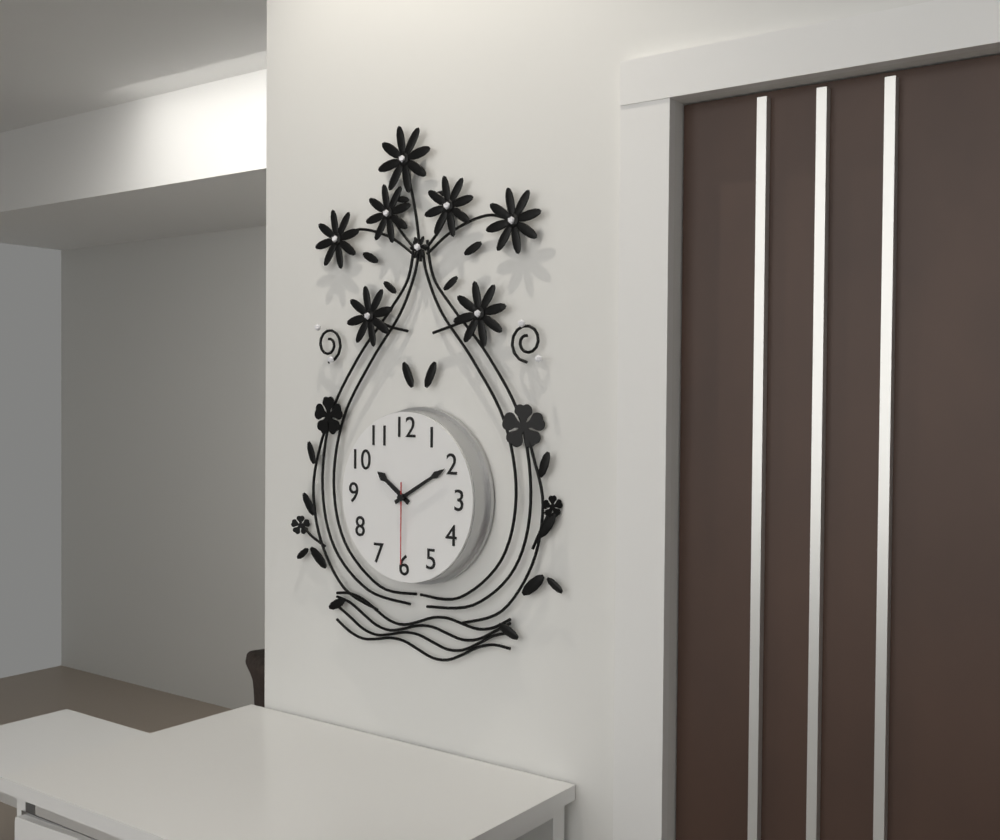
10h10m30s
